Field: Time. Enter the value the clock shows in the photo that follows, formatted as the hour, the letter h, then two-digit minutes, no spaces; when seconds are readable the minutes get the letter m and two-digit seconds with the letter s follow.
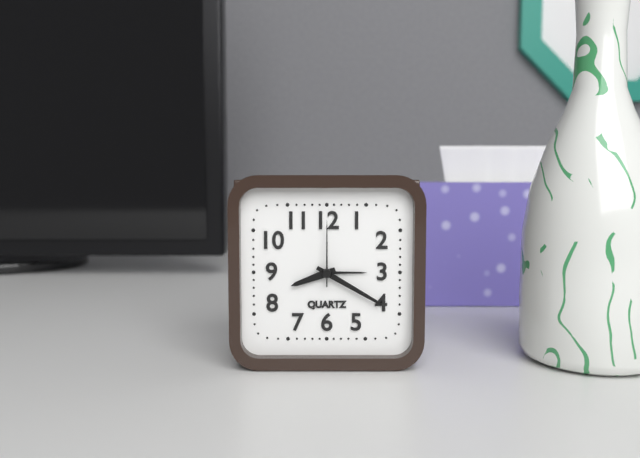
8h20m00s
